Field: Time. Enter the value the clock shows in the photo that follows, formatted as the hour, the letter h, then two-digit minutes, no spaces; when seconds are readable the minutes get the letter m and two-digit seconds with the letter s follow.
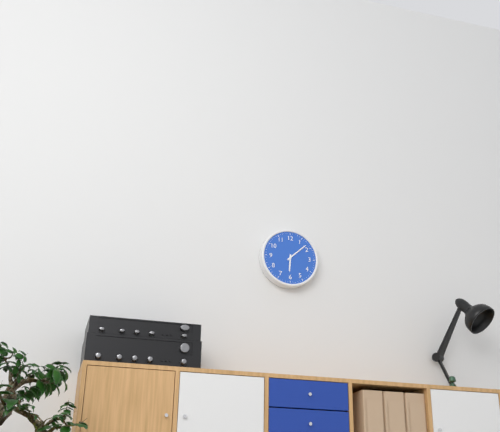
6h08
